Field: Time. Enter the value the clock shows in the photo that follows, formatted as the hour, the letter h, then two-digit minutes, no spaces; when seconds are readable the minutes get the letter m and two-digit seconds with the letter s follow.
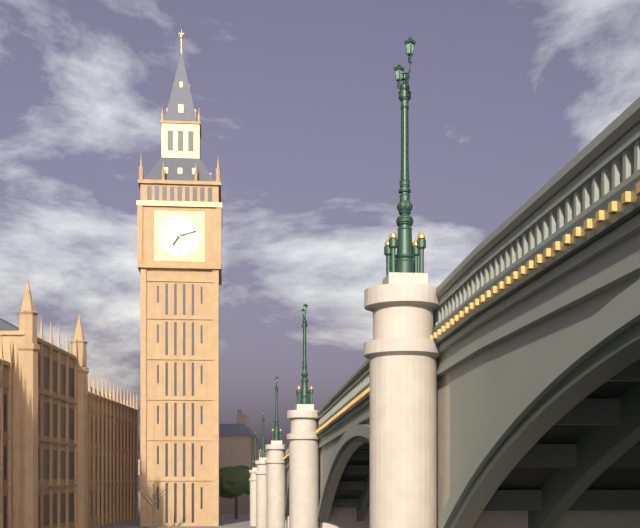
7h12
